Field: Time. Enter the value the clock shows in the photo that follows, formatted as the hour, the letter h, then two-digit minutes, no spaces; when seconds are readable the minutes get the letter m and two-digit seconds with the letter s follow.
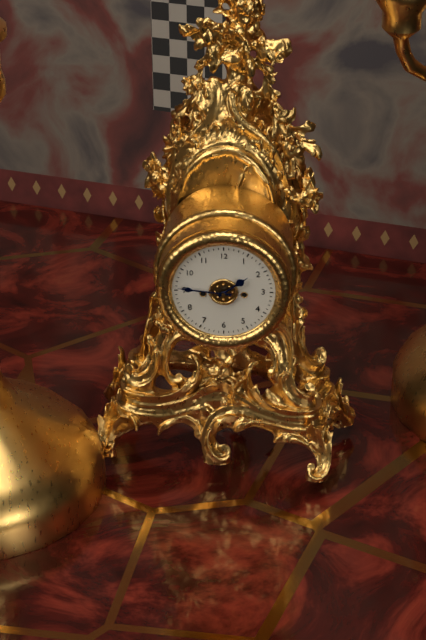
1h46
